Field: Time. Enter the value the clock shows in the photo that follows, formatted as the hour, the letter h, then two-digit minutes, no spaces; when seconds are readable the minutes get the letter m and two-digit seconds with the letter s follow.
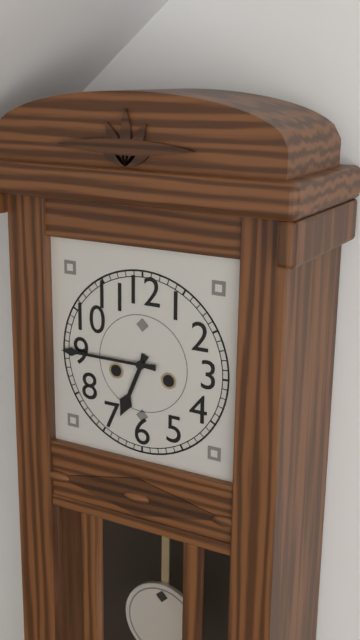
6h45
